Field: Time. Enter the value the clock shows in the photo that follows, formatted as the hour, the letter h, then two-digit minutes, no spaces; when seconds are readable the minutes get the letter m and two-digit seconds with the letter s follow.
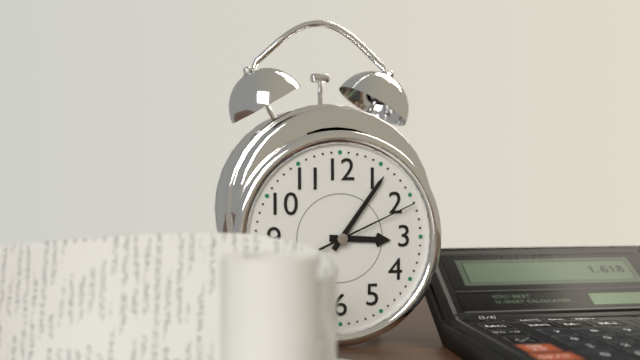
3h06m11s
